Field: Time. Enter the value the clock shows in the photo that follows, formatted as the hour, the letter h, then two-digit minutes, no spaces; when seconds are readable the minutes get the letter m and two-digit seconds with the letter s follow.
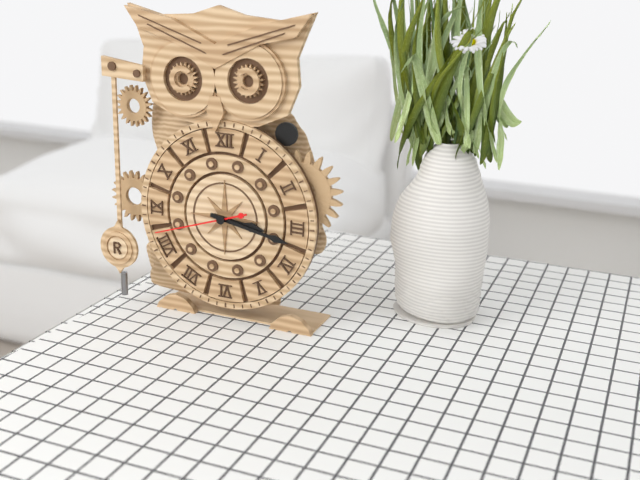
3h17m42s
